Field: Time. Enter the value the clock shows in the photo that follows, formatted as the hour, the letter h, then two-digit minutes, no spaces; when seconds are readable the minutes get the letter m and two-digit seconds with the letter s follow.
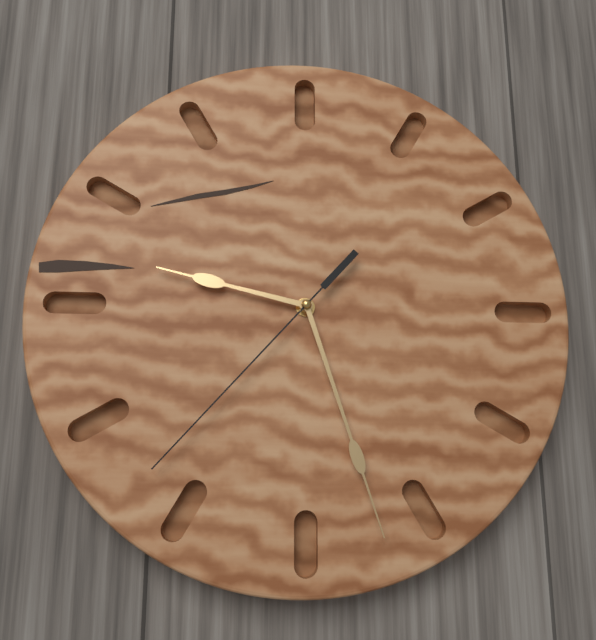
9h27m37s
